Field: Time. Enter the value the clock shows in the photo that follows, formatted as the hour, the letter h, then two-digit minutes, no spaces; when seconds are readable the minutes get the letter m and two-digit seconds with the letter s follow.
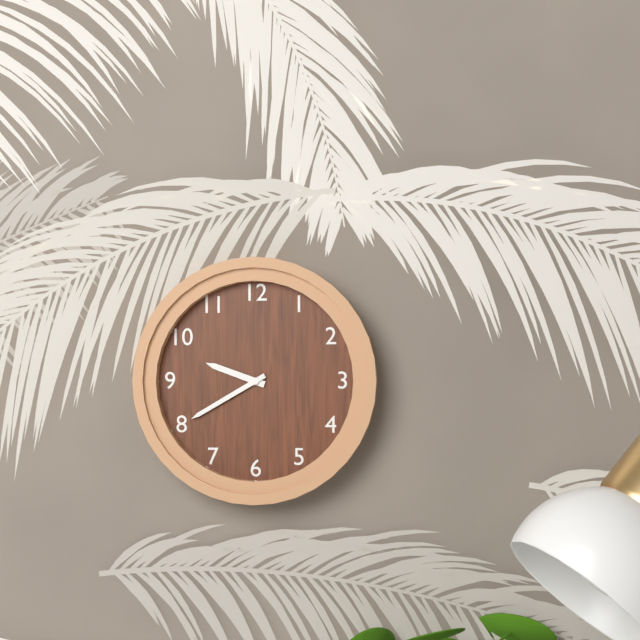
9h40
